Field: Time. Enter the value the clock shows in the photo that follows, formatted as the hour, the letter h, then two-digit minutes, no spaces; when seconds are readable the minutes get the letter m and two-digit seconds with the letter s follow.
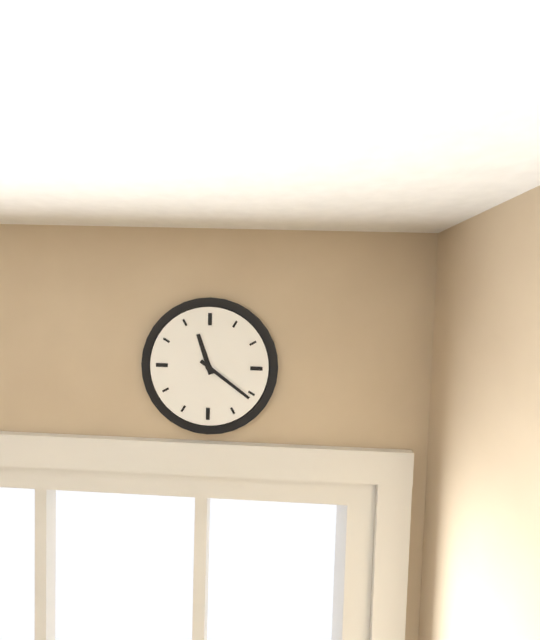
11h21
